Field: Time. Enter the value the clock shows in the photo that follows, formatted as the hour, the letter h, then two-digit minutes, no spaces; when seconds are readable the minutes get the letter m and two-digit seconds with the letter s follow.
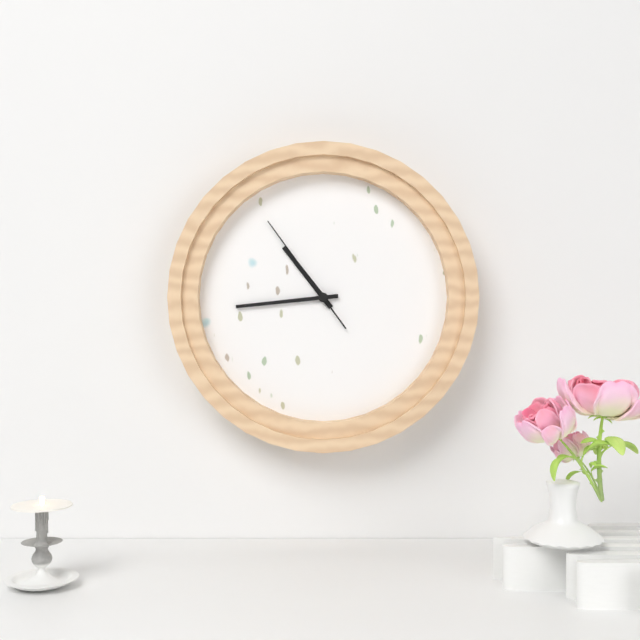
10h44m54s
